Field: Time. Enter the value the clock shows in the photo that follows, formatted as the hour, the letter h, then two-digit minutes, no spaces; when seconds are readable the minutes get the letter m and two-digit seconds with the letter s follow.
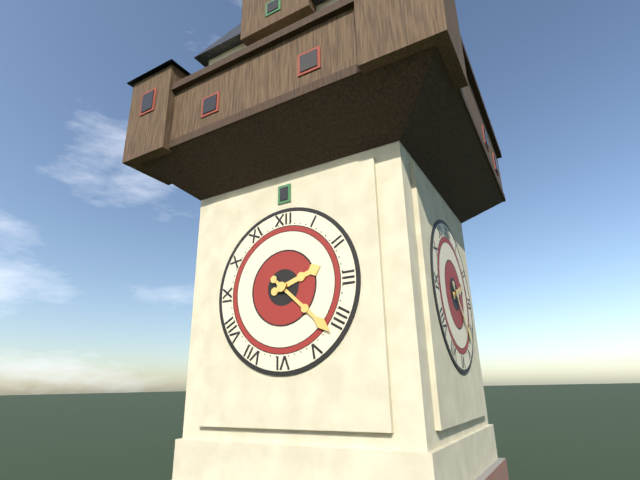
2h22
